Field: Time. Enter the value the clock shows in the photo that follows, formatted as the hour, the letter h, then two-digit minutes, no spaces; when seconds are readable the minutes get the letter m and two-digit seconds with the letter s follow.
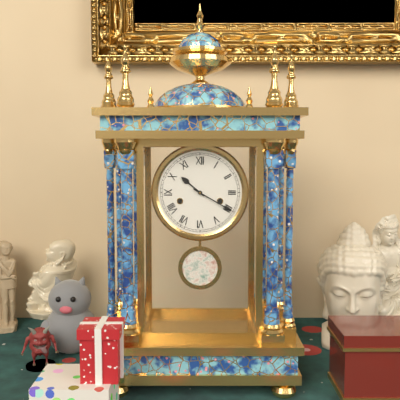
10h20
